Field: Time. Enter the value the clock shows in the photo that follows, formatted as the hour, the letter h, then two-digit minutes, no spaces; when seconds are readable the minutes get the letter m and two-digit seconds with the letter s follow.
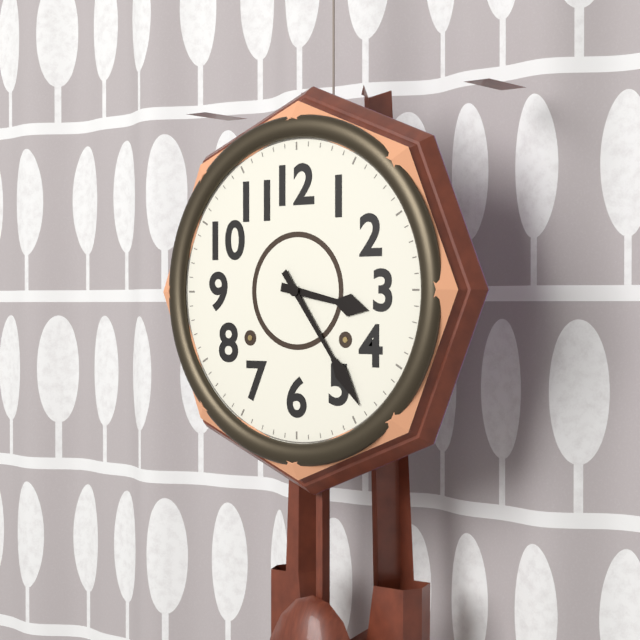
3h24
